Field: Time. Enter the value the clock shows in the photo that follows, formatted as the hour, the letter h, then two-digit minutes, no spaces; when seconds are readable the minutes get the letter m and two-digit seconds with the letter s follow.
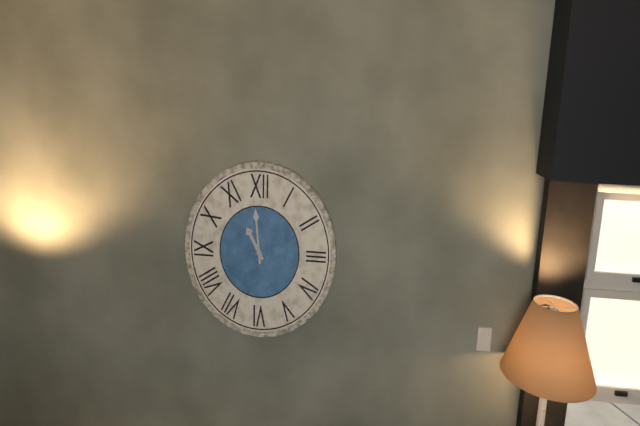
10h59
